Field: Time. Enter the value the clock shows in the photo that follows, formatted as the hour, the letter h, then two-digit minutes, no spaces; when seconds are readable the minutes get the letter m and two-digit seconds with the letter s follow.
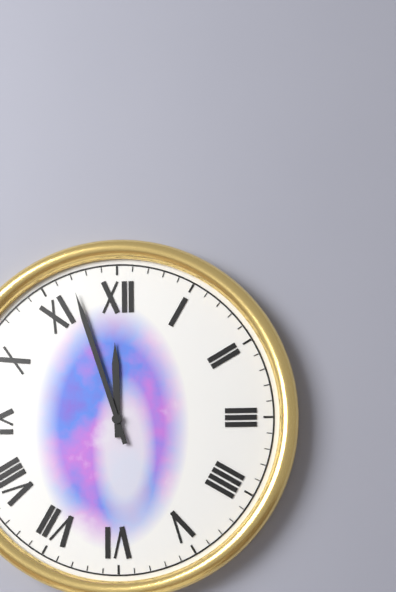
11h57
